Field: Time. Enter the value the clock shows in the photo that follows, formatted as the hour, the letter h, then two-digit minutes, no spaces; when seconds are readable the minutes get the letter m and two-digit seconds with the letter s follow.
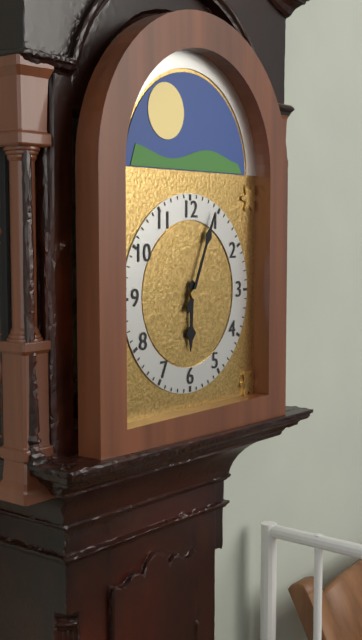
6h04
